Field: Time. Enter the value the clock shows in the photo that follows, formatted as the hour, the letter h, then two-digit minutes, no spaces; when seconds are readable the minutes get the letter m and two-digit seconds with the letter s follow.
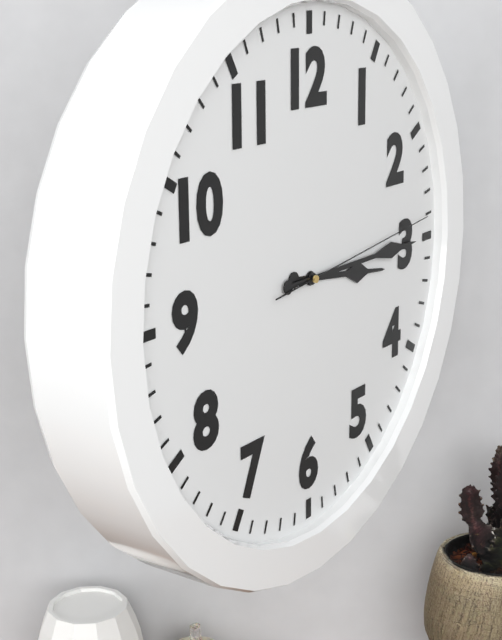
3h15m14s
